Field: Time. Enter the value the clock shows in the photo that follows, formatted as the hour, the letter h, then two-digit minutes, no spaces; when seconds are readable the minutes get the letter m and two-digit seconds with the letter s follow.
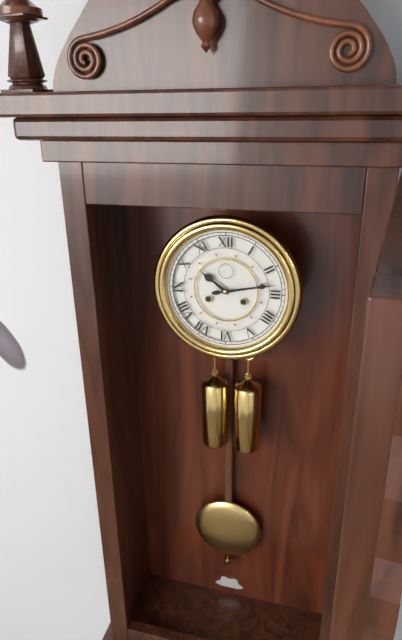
10h13
